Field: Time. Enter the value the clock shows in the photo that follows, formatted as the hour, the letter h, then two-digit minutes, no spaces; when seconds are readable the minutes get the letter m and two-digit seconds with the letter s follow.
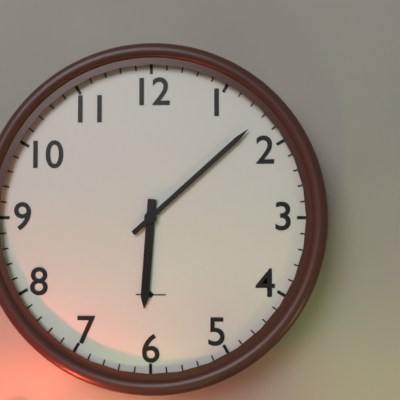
6h08
